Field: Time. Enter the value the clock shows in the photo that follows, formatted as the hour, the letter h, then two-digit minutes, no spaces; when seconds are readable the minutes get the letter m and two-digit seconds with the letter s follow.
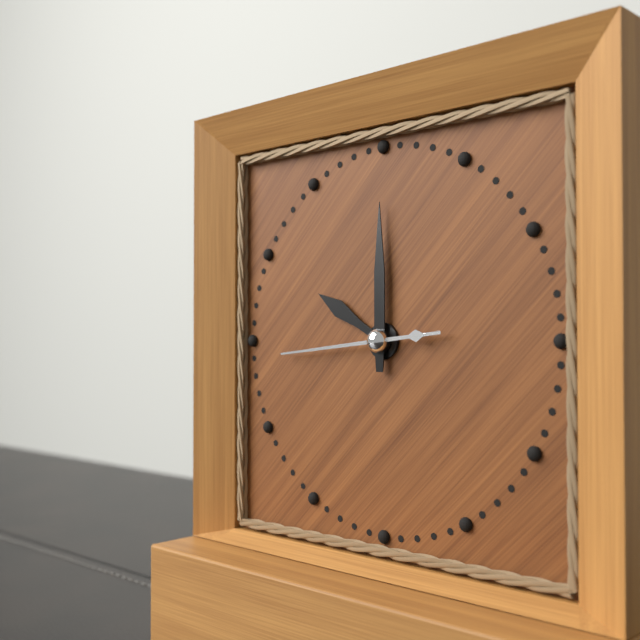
10h00m44s
